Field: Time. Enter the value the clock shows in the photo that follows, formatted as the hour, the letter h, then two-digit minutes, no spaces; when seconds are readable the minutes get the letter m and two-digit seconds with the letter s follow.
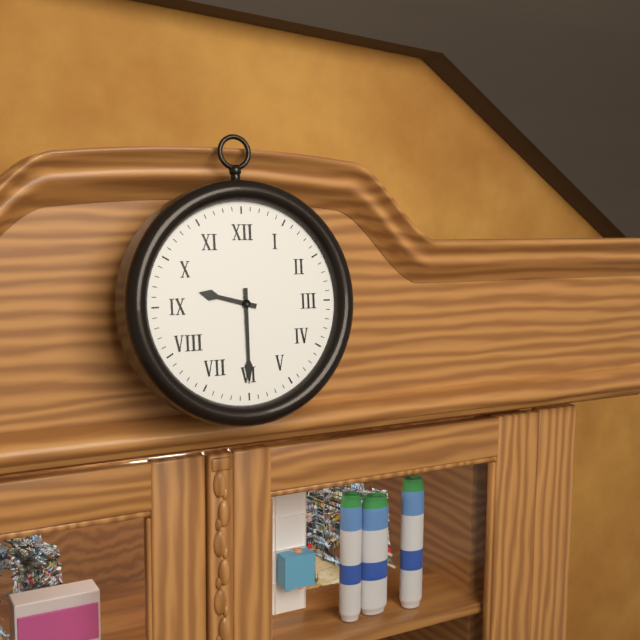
9h30
